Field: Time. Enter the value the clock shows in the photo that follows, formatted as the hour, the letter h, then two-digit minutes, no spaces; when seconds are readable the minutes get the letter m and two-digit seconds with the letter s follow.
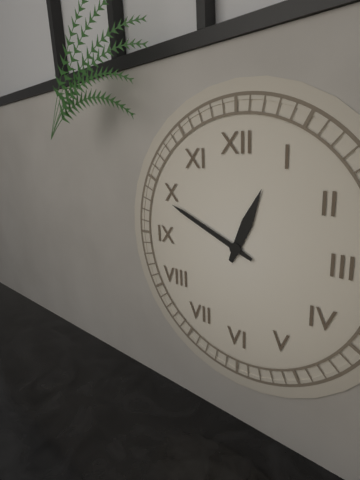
12h49
